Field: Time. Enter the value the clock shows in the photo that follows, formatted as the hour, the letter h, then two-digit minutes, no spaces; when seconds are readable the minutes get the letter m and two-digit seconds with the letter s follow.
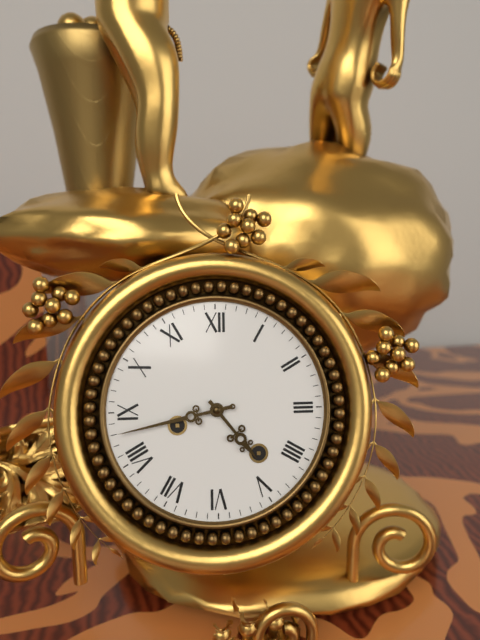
4h43
